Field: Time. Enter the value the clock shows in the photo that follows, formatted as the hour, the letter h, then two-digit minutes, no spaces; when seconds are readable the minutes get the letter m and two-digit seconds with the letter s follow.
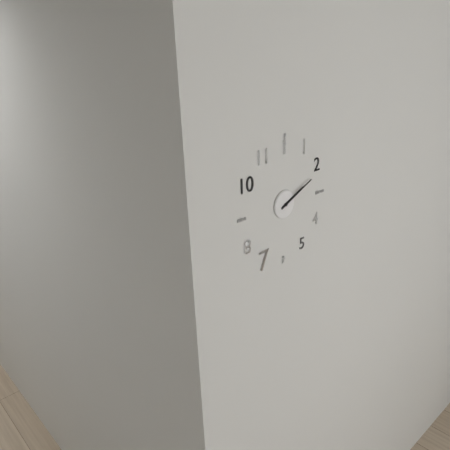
2h11
